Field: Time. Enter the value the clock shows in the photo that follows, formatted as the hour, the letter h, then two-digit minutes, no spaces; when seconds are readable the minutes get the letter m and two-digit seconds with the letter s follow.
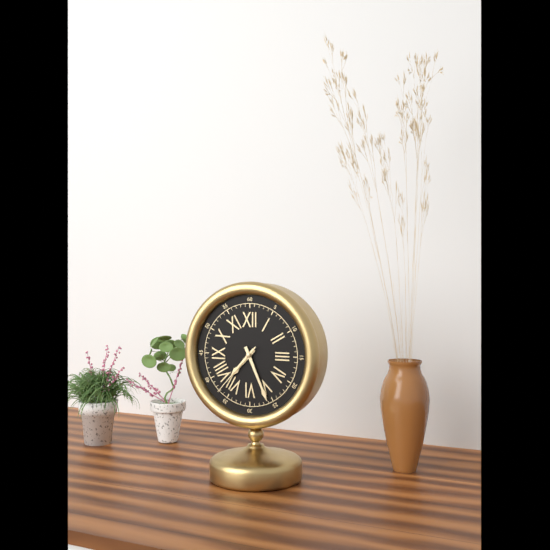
7h26m37s
